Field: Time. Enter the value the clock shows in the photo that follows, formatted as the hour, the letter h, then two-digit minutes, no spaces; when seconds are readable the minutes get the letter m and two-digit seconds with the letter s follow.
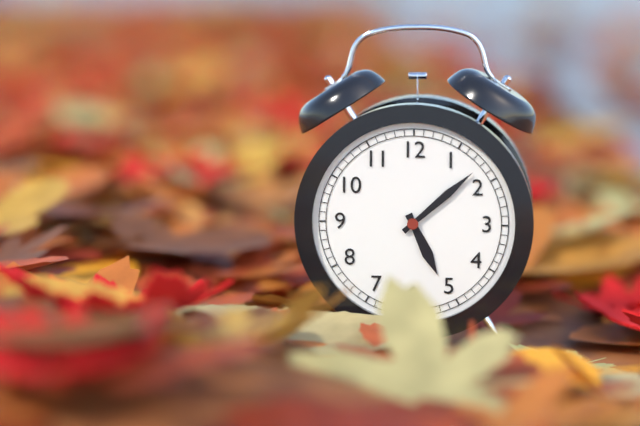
5h08
